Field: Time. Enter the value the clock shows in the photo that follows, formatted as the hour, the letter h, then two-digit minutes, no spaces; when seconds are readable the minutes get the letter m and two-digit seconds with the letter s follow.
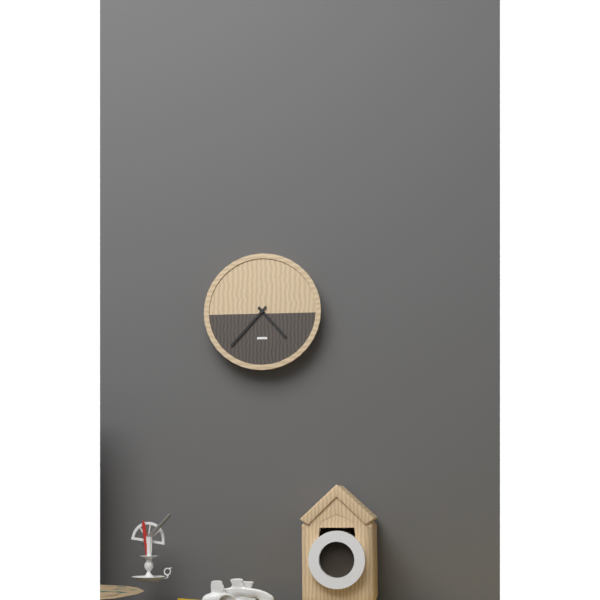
4h37
